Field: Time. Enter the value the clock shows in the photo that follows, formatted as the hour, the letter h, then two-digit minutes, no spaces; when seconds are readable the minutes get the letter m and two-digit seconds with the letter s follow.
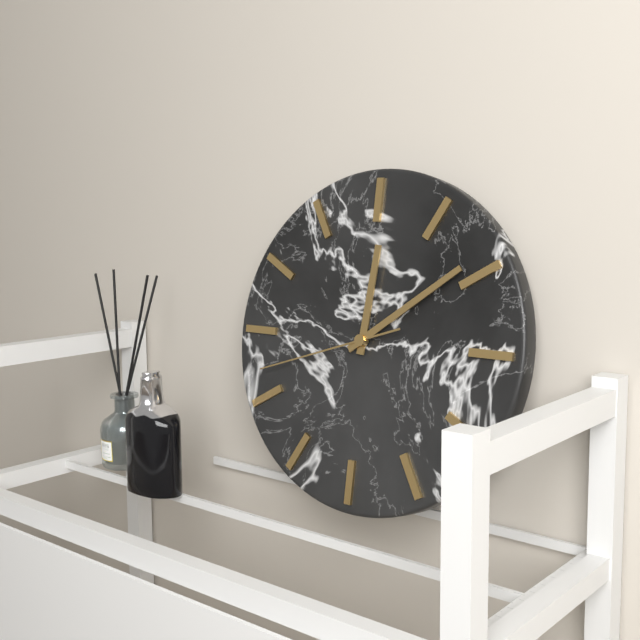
12h09m42s
